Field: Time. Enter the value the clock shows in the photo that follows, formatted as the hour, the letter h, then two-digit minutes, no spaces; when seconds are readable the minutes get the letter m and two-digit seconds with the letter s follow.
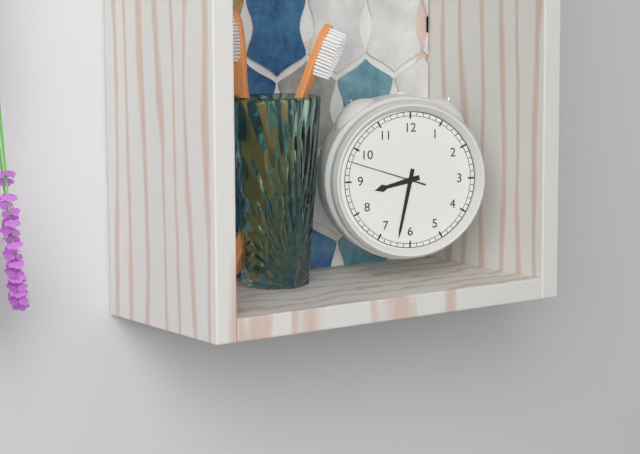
8h32m48s
